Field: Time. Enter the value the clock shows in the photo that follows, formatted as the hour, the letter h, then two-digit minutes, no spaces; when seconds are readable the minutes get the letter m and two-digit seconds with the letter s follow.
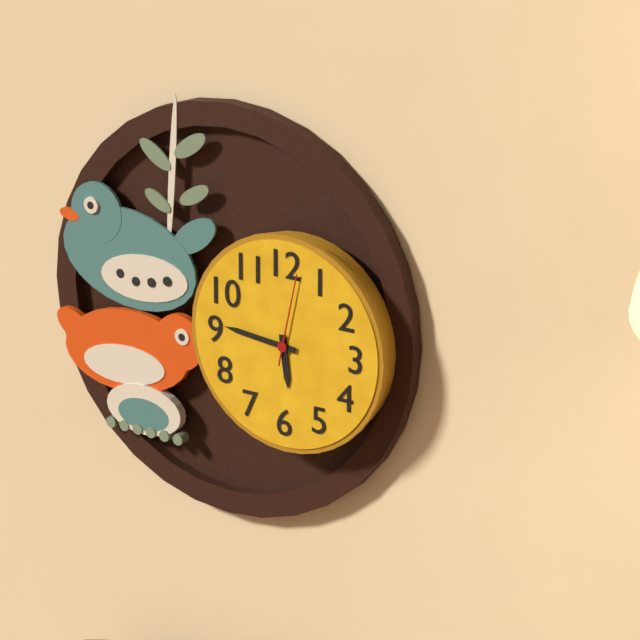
5h46m02s
